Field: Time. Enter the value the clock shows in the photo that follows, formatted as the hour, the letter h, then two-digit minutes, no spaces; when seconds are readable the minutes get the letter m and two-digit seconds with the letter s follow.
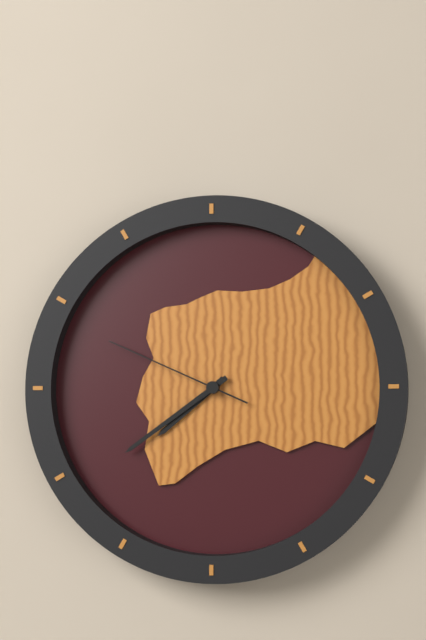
7h39m49s
